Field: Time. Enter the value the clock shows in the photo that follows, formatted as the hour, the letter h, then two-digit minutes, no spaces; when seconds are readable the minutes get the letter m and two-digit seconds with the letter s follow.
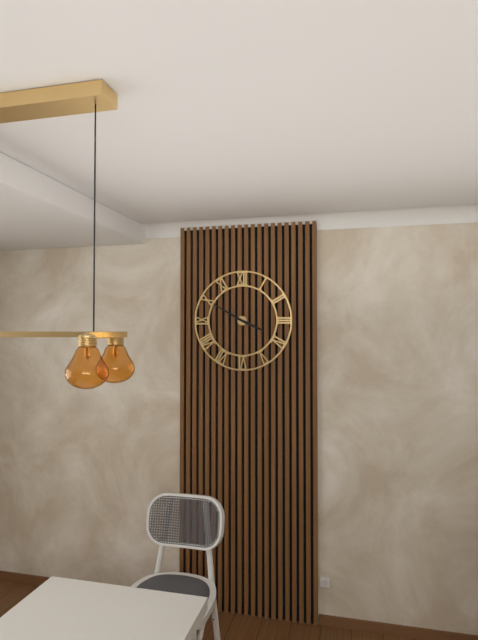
3h50
